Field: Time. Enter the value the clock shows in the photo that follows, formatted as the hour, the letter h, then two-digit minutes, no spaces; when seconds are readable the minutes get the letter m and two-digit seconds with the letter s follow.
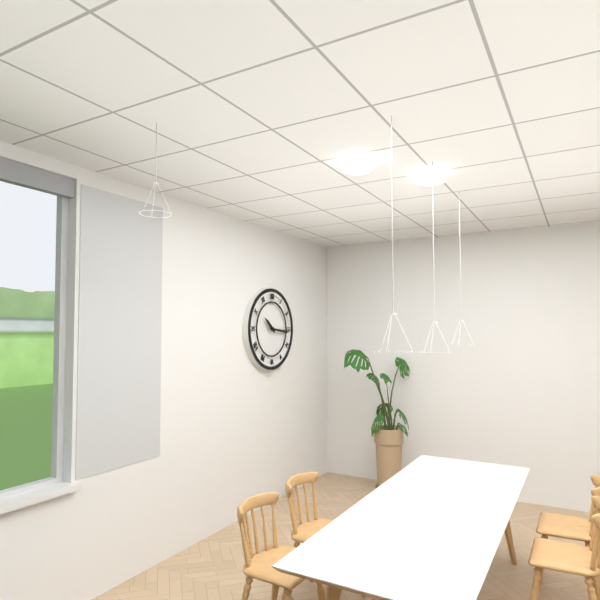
10h16
